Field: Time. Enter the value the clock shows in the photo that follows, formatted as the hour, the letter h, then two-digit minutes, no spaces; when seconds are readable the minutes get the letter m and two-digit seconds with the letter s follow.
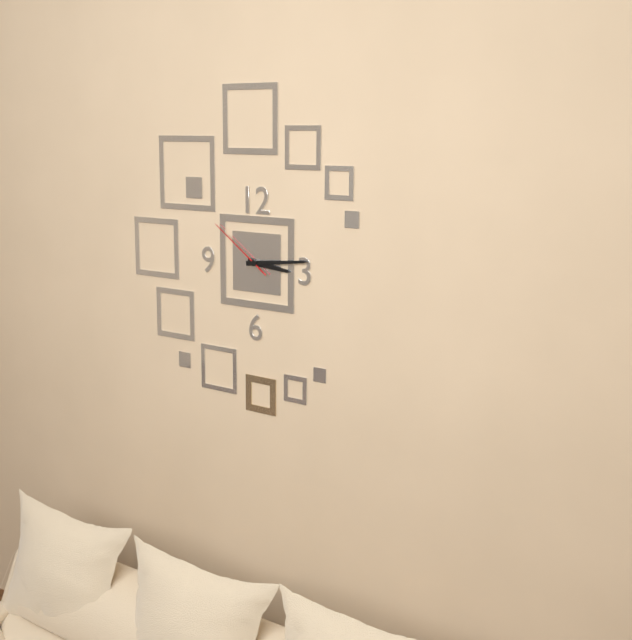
3h14m51s
